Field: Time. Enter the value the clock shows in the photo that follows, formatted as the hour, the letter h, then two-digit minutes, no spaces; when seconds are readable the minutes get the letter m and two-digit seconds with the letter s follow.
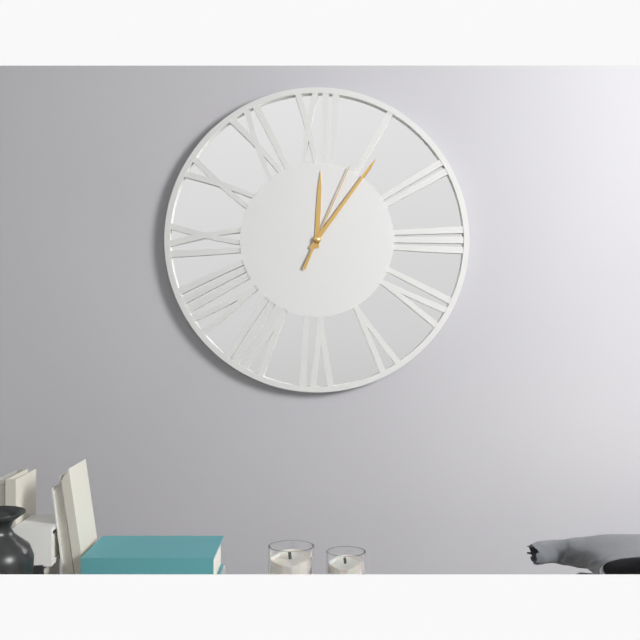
12h06m04s
